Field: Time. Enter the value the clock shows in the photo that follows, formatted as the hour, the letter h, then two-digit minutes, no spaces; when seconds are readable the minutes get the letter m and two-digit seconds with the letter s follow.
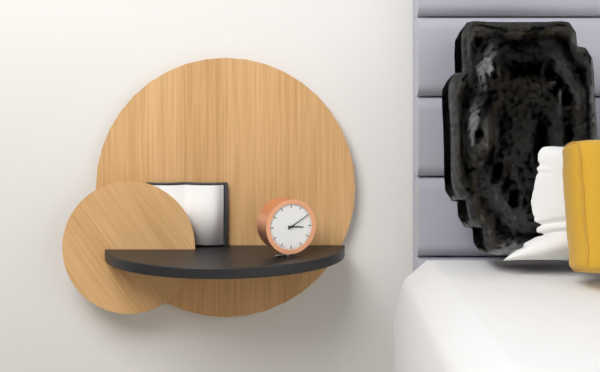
3h10
